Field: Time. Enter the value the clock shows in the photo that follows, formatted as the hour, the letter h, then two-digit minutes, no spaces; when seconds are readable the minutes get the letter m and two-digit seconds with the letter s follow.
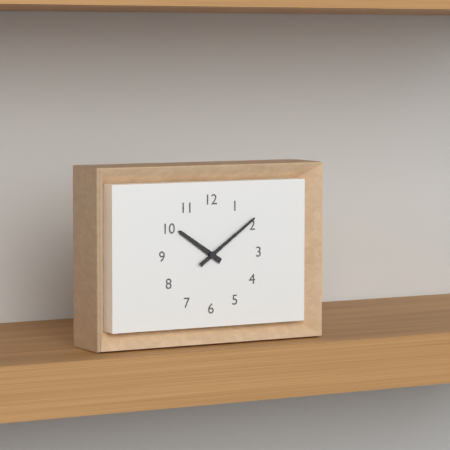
10h09
